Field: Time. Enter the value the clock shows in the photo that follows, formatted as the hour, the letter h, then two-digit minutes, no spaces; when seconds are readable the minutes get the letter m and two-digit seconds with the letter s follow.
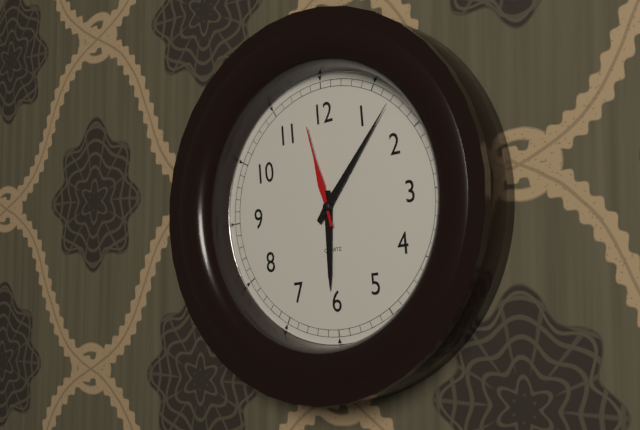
6h07m58s
